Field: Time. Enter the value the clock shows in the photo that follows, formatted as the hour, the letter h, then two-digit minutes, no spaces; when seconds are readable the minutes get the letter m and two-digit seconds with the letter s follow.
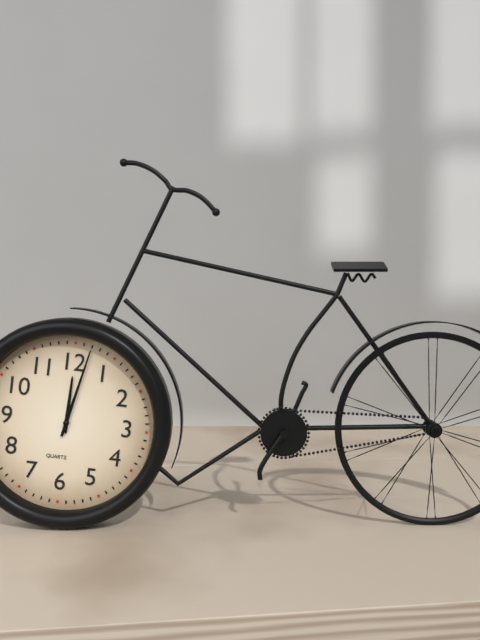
12h02
